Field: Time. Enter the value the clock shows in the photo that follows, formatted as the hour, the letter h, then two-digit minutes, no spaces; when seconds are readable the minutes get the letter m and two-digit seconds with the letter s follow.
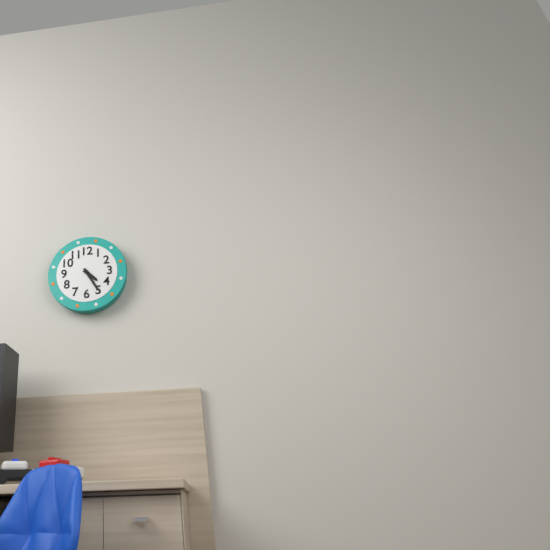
4h25
